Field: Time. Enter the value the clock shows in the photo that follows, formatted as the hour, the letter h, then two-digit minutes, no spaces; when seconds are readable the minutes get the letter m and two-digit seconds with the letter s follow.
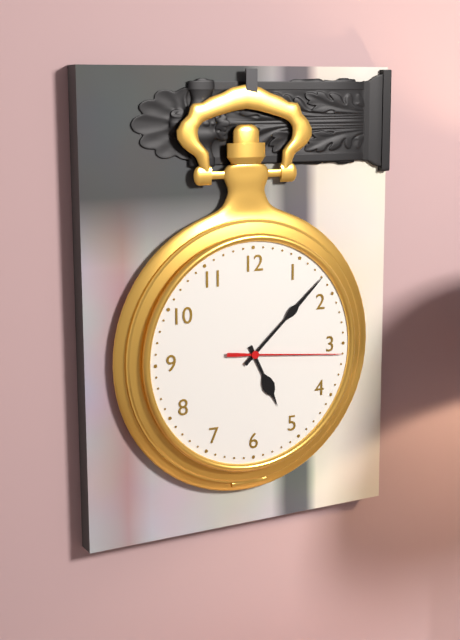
5h08m16s
